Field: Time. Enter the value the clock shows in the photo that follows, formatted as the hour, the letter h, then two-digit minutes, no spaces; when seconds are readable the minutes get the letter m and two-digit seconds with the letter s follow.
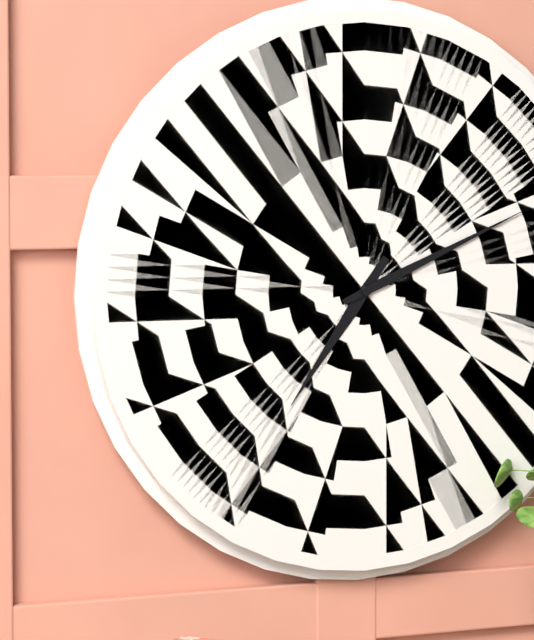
7h11
